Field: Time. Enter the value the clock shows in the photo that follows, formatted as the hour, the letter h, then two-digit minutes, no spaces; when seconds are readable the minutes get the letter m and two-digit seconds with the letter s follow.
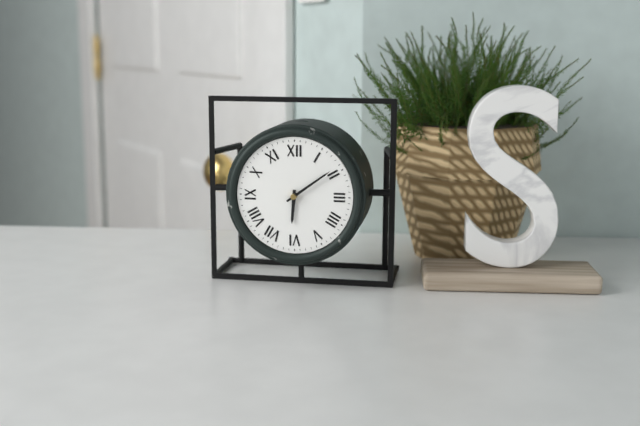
6h09
